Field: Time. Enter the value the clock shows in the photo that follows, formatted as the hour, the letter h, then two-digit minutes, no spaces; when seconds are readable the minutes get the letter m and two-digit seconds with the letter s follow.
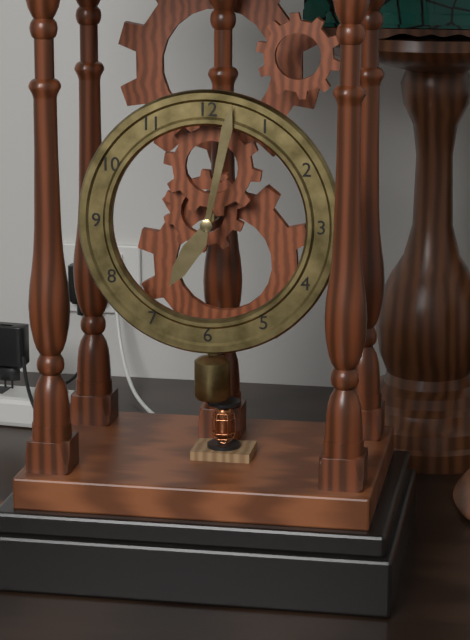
7h02
